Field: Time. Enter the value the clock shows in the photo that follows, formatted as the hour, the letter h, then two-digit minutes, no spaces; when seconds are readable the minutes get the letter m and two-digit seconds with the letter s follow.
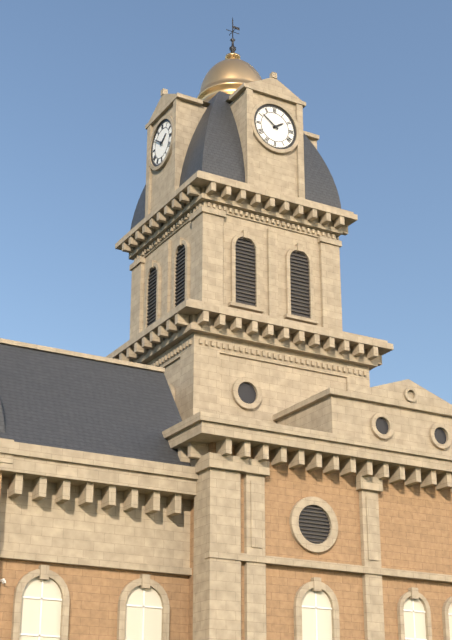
1h51
